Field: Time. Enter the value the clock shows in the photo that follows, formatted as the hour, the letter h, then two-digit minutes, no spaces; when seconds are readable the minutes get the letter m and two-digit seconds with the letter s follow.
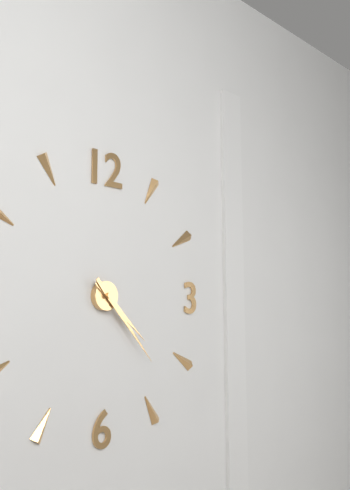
4h23
